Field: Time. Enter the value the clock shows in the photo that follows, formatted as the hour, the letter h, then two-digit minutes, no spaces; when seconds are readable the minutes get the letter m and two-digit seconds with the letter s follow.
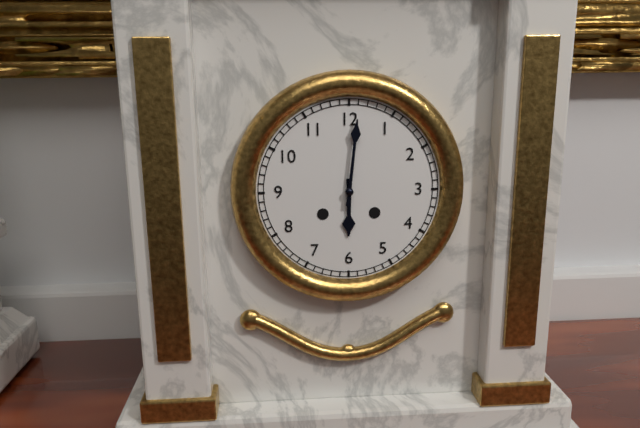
6h01
